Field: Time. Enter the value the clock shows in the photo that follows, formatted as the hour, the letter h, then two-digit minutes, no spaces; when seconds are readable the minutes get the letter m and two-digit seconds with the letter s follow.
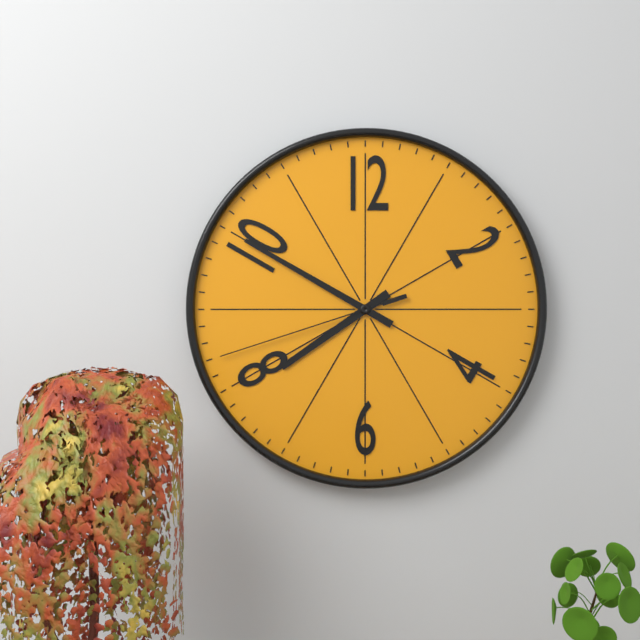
7h50m42s
